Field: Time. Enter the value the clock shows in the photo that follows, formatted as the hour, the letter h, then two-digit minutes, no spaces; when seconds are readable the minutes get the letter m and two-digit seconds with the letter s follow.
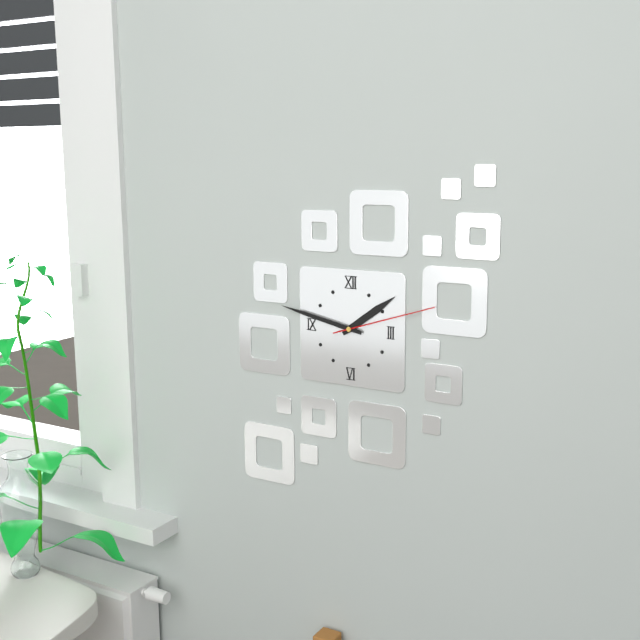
1h47m12s
